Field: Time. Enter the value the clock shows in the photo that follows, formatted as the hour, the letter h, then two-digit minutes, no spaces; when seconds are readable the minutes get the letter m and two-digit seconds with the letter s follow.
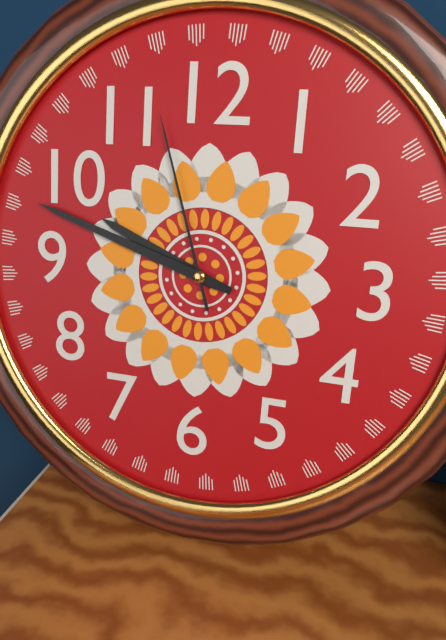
9h48m57s
